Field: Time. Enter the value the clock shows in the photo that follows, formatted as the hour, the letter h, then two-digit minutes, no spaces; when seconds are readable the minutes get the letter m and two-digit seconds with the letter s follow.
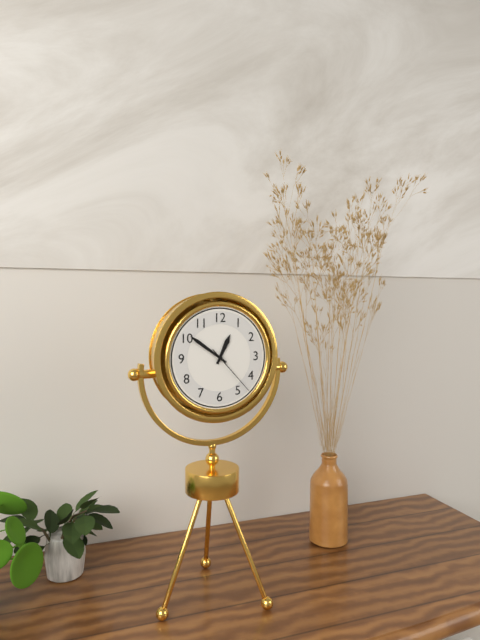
12h51m23s
